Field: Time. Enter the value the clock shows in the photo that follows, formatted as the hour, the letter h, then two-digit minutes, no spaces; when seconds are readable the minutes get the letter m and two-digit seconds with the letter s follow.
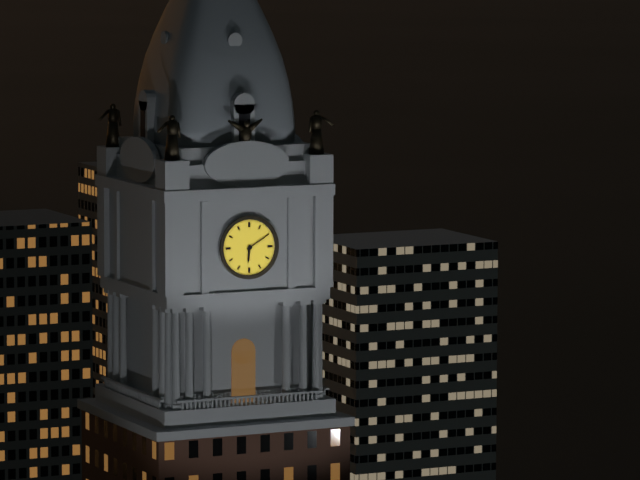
6h10
